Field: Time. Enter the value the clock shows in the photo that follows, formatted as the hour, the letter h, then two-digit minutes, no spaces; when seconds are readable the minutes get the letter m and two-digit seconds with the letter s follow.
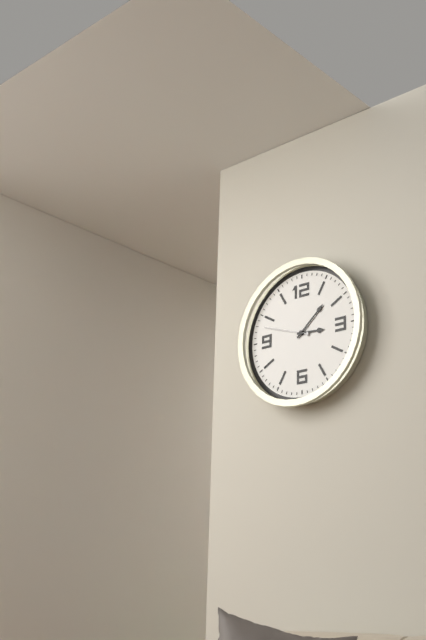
3h08
